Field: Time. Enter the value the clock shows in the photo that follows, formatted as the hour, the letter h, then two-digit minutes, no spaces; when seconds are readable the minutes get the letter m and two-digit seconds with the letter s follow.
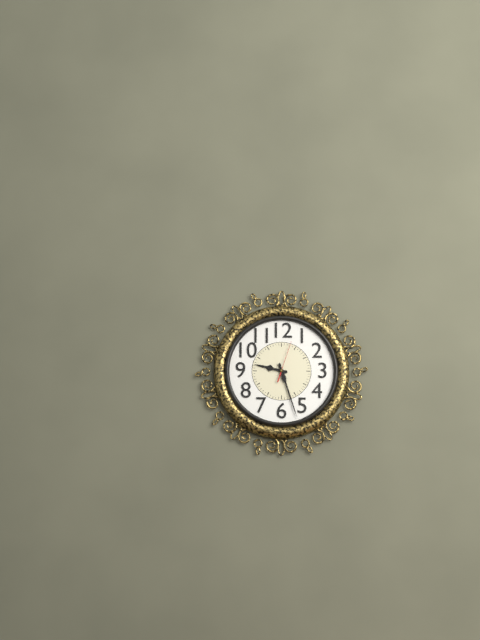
9h27
